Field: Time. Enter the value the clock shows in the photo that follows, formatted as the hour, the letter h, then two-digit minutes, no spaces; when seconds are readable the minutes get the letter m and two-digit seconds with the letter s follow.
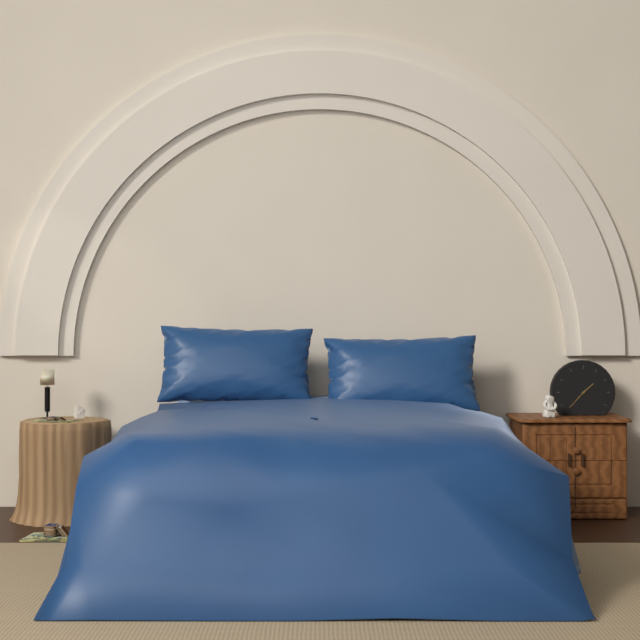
1h37
